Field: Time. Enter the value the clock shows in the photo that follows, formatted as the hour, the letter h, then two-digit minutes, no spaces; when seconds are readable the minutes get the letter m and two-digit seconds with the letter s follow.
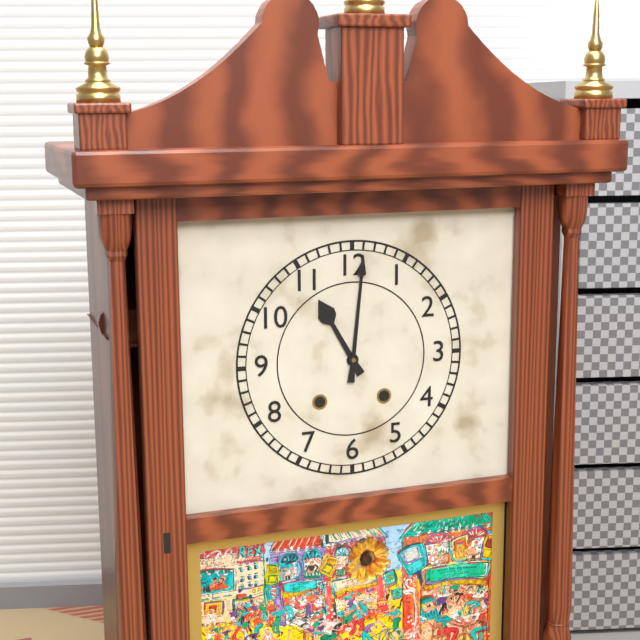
11h01
